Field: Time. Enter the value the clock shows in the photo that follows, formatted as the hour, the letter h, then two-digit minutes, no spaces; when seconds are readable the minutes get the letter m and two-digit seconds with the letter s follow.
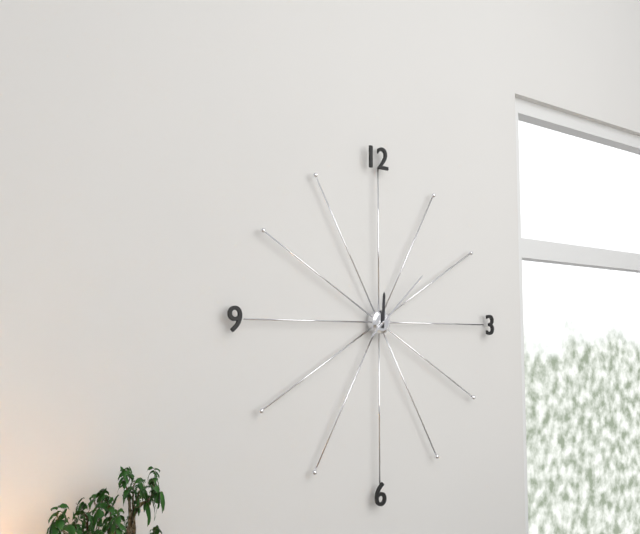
12h08
